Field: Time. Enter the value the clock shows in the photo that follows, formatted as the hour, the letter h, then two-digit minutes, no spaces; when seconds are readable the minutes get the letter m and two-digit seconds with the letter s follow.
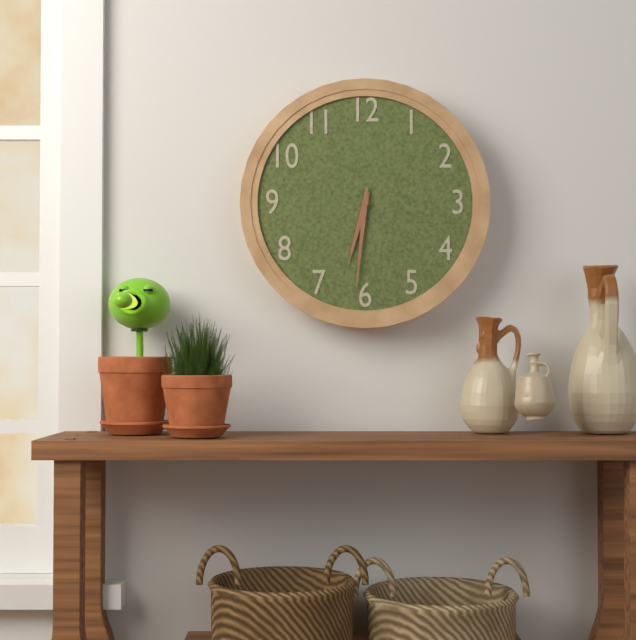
6h31
